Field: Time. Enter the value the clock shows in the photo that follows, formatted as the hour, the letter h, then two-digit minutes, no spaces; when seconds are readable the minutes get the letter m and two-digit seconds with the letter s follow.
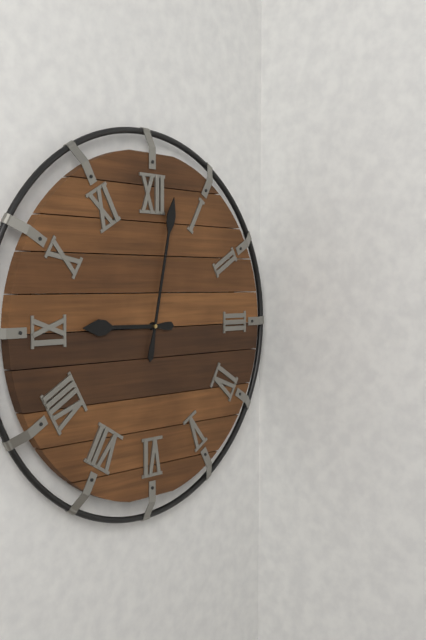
9h02
